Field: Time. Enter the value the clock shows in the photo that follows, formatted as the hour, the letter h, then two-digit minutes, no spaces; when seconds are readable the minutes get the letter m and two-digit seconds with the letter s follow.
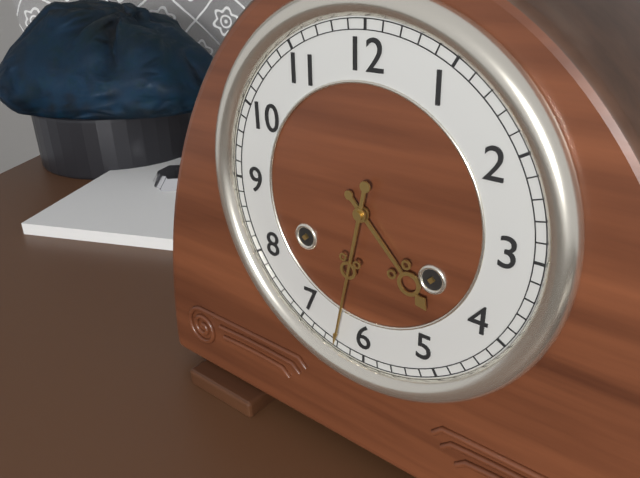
4h32
